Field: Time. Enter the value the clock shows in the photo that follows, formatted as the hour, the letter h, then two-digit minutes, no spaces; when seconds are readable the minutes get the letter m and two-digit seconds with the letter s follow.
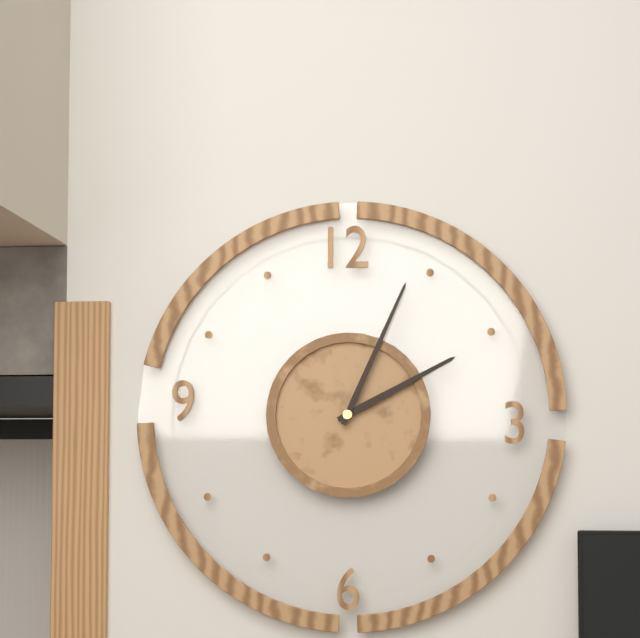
2h04
